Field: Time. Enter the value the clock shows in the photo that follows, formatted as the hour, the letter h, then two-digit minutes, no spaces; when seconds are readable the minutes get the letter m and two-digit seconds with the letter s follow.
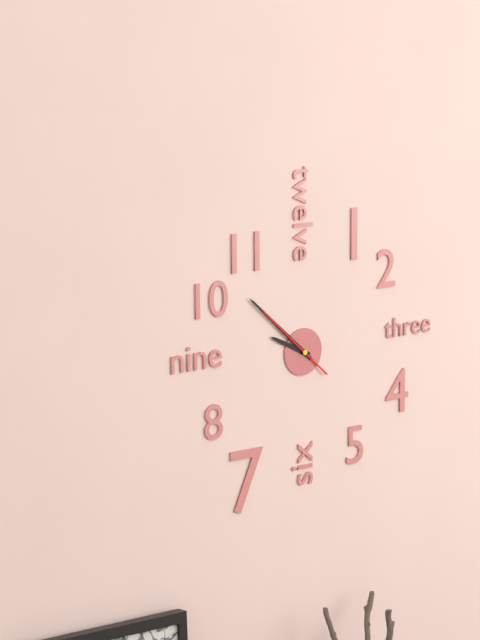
9h52m52s
